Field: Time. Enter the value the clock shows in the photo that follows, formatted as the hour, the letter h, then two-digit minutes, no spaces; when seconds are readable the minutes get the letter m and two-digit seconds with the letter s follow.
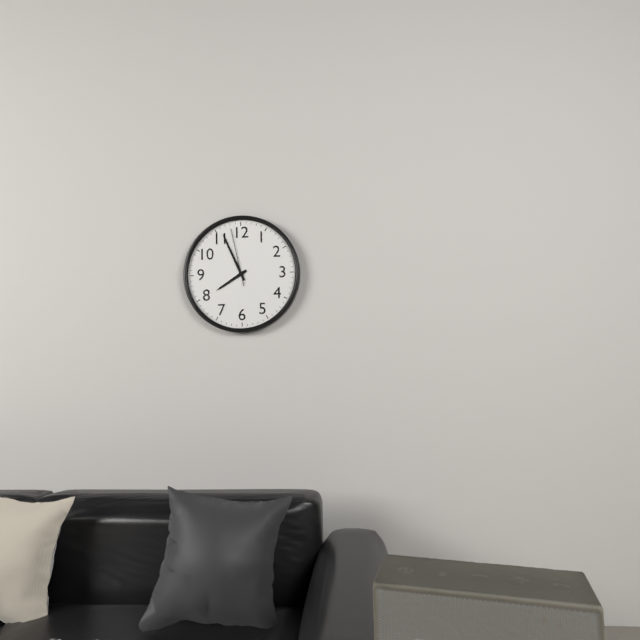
7h56m58s
